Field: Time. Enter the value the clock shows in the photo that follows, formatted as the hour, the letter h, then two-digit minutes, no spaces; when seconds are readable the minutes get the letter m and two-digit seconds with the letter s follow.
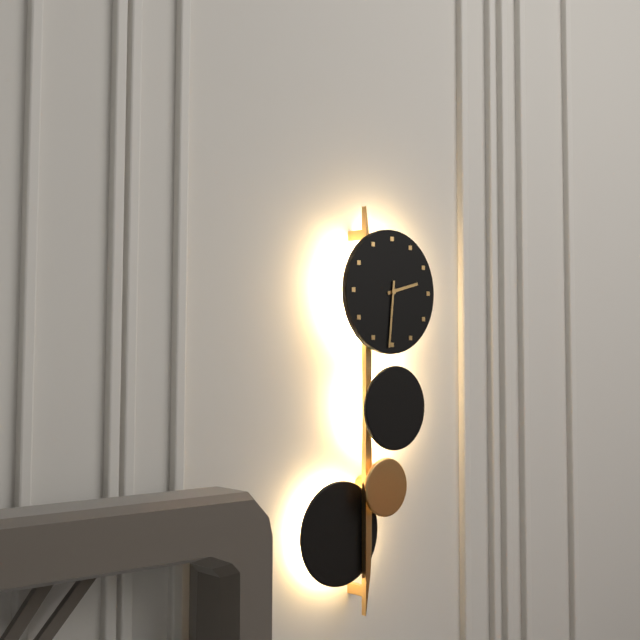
2h31
